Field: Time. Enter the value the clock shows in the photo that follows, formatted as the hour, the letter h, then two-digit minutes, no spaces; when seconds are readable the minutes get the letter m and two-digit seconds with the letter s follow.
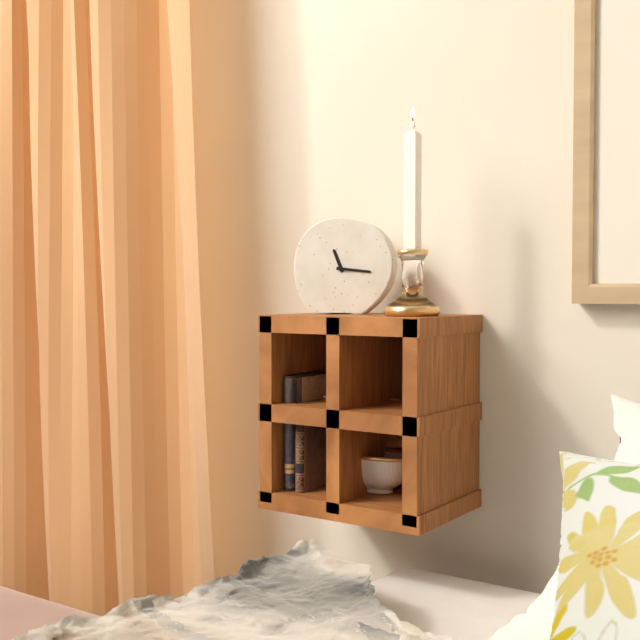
11h16
